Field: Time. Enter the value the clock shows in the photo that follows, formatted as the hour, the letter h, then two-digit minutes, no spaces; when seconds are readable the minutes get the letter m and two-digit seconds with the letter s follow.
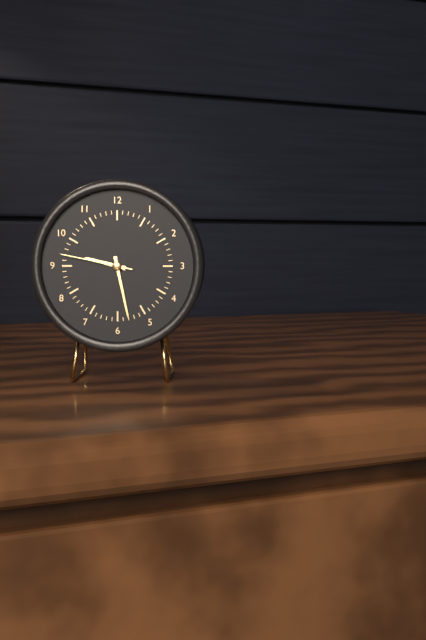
9h28m47s
